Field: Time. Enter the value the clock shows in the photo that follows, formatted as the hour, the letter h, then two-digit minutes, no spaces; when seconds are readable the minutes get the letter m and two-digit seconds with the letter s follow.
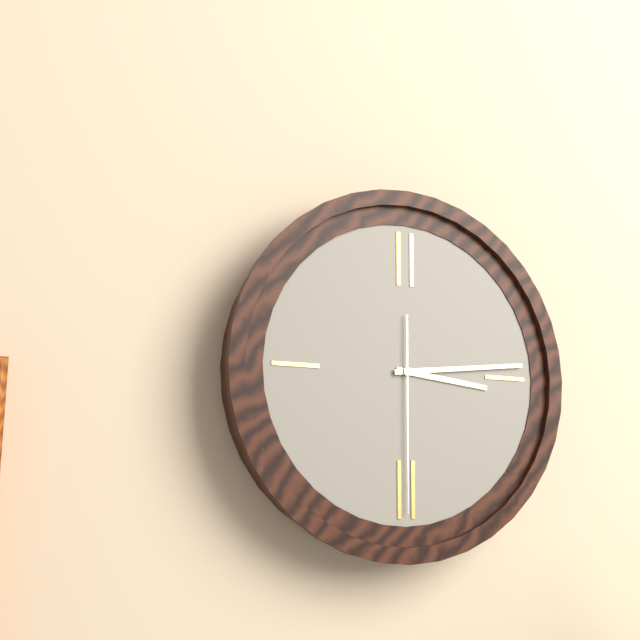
3h14m30s
